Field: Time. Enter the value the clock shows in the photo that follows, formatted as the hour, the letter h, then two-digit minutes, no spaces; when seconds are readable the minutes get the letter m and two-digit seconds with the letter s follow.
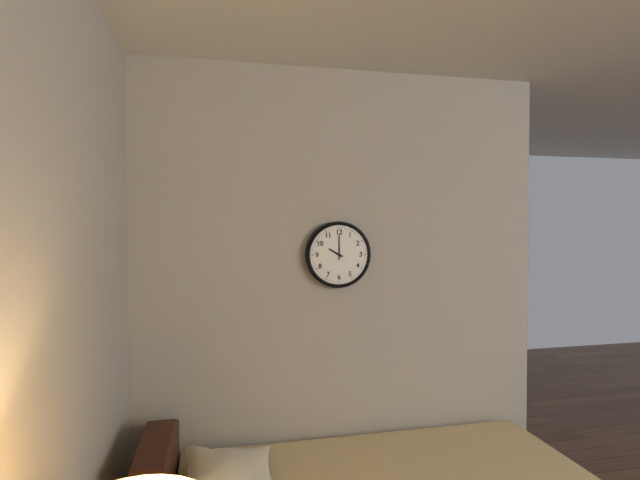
10h00
